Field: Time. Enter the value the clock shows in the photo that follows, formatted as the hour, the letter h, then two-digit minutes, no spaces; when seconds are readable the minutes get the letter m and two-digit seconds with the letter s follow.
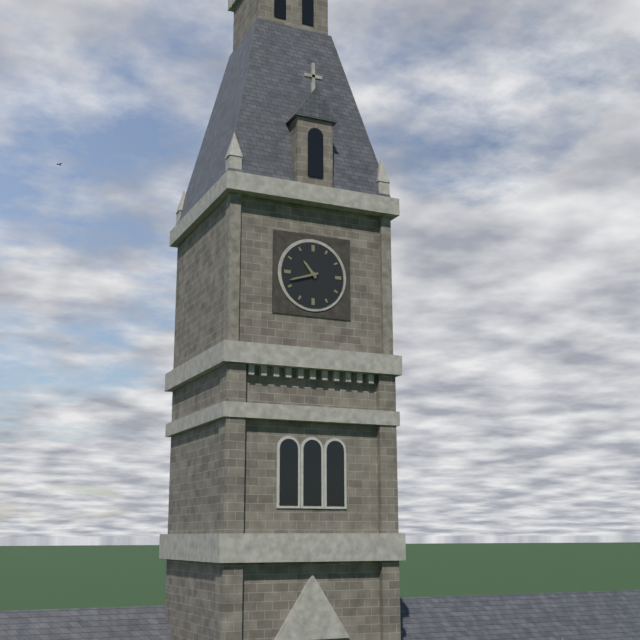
10h42
